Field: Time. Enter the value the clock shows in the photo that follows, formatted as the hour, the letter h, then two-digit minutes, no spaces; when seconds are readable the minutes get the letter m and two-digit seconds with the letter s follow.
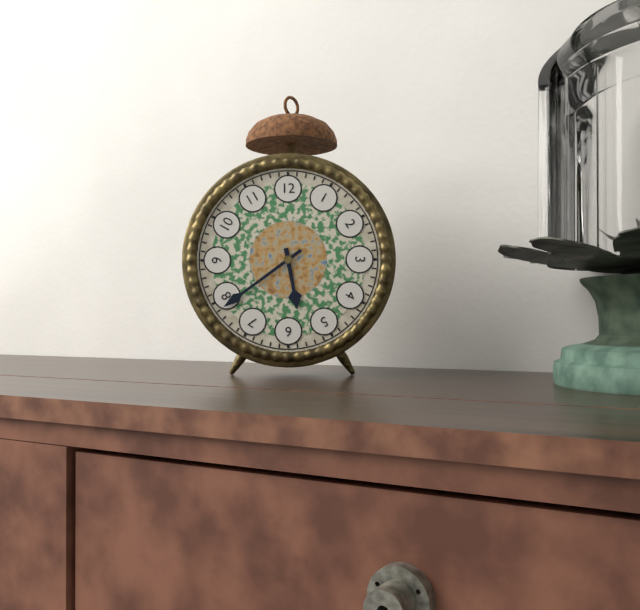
5h39
